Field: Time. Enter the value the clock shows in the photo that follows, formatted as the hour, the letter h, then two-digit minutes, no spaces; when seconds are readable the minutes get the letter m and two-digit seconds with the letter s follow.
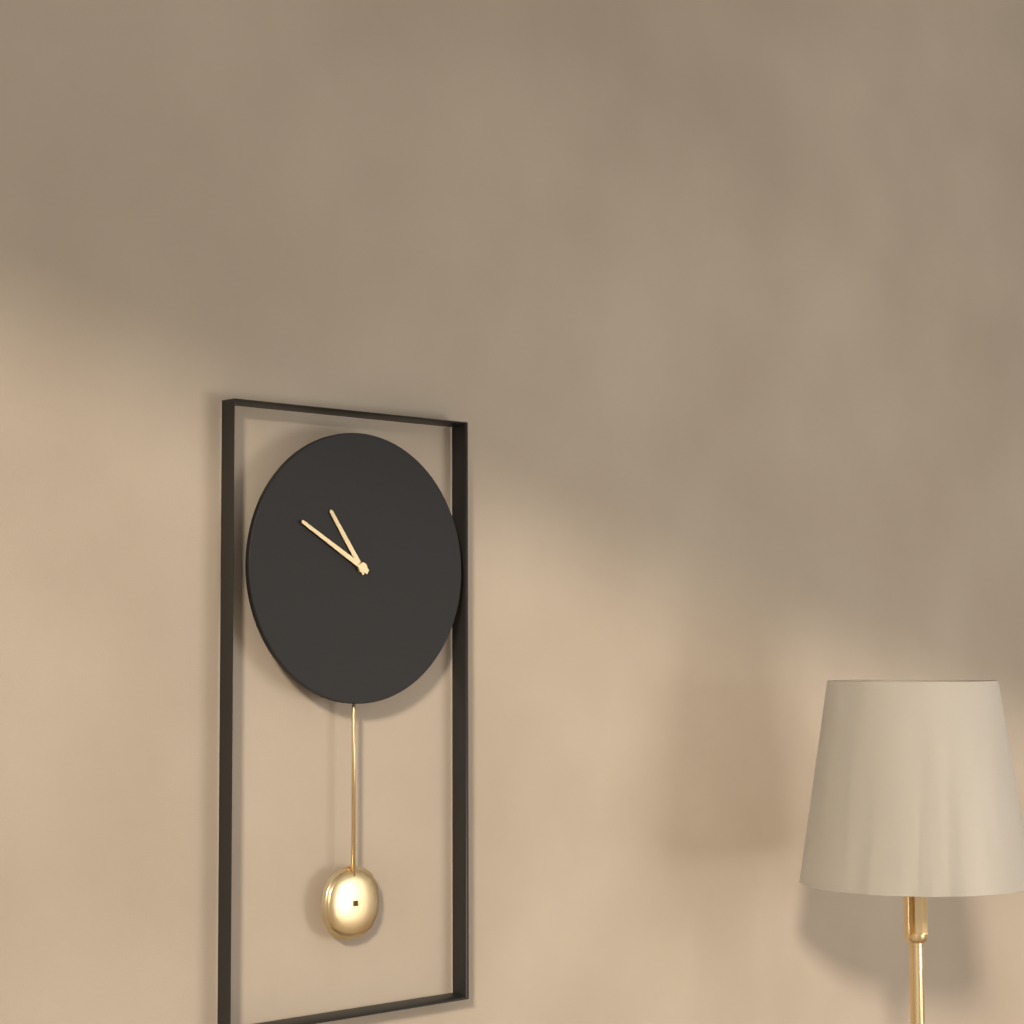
10h50
